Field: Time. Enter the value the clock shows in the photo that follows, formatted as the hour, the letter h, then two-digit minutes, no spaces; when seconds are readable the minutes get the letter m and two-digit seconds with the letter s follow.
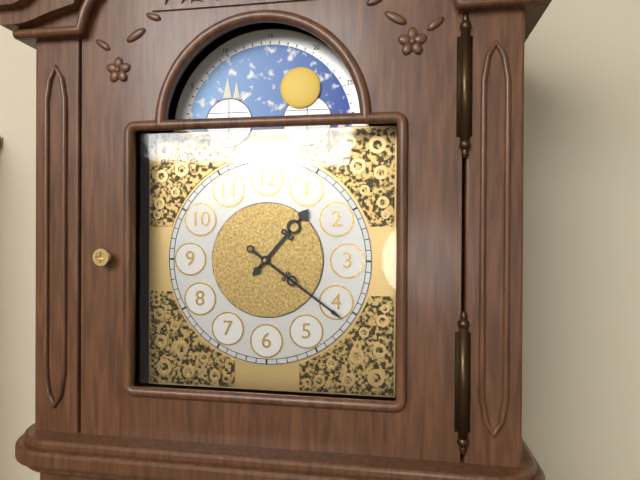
1h21
